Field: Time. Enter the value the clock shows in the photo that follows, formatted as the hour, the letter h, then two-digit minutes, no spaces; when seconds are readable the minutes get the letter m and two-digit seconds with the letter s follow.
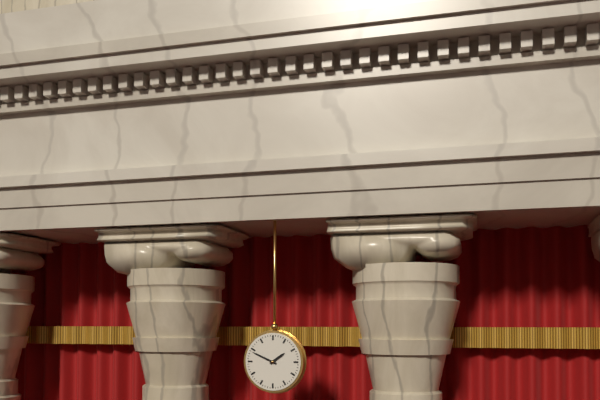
1h49
